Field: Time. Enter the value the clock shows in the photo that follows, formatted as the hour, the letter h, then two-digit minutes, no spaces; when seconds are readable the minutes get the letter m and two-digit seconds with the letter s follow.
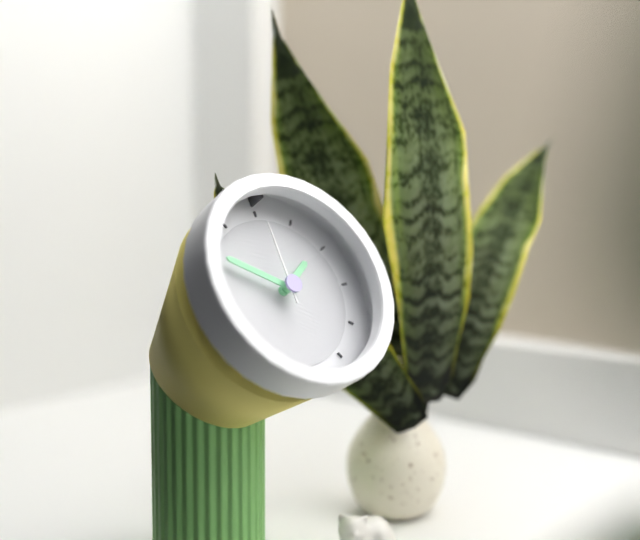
1h50m00s
